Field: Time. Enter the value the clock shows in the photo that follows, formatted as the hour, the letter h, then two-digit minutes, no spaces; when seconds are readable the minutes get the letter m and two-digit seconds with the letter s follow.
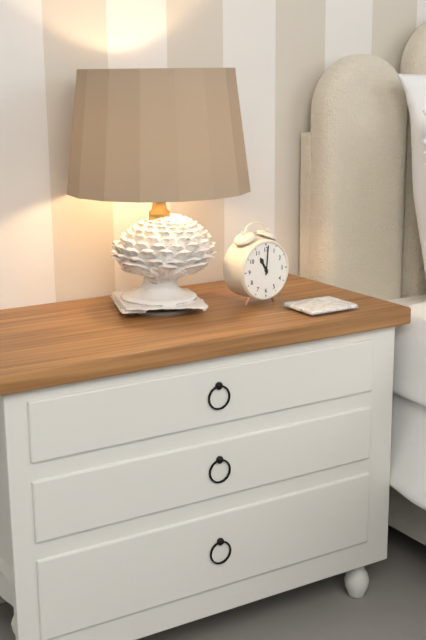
11h01
